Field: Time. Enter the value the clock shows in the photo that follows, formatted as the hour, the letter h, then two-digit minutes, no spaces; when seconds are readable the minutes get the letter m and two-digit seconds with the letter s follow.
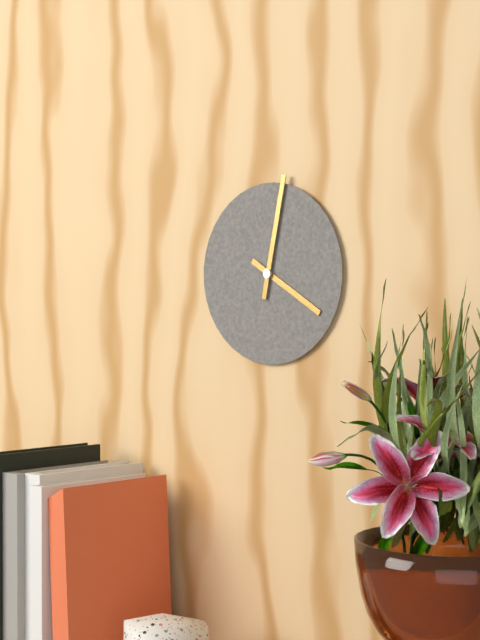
4h02
